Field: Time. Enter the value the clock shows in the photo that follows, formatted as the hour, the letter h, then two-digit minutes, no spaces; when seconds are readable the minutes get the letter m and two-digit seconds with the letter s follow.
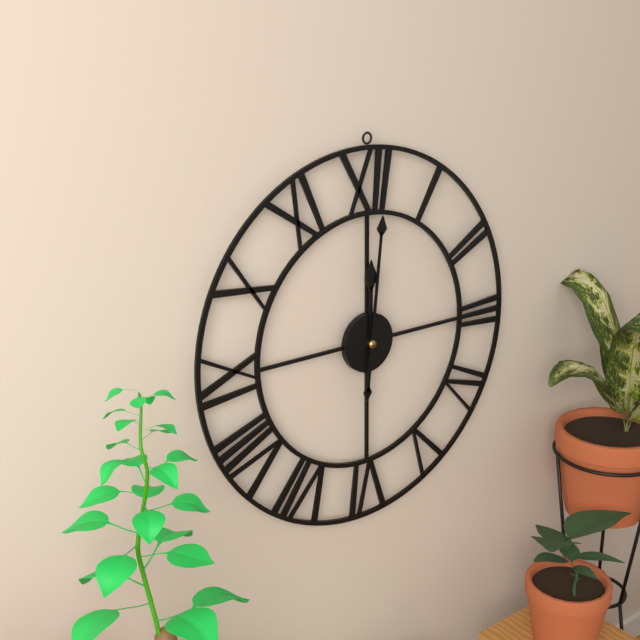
12h01
